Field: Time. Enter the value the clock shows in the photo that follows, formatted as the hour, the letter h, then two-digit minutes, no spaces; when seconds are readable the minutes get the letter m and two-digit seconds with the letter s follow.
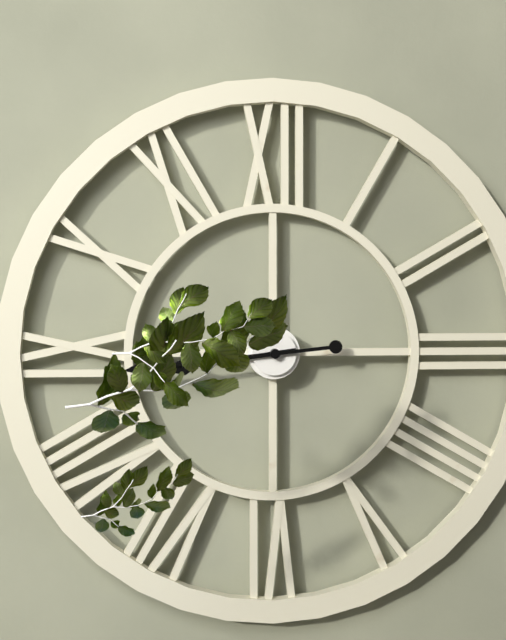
8h44
